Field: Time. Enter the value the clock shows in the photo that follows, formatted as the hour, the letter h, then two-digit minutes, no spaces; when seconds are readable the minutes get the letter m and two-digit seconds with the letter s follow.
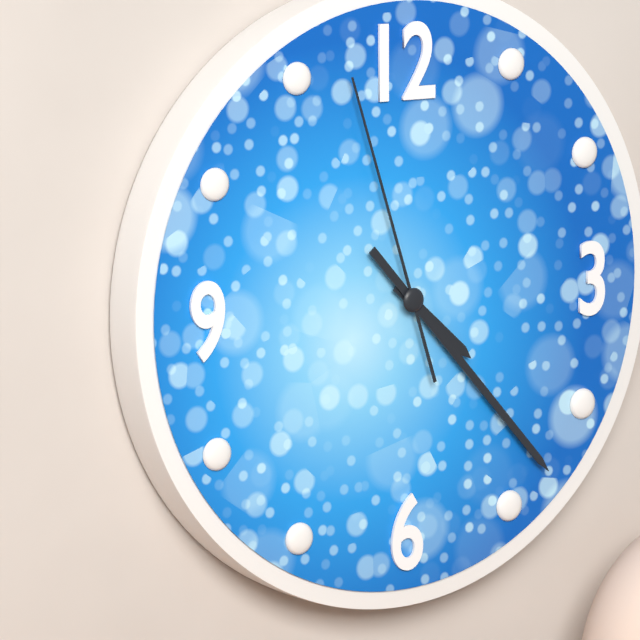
4h23m57s
